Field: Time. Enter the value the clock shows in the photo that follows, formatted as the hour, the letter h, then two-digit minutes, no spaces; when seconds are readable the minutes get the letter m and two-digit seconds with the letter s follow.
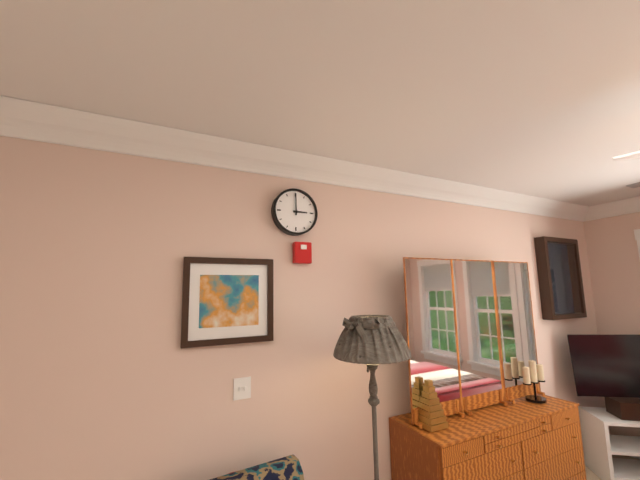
3h00
